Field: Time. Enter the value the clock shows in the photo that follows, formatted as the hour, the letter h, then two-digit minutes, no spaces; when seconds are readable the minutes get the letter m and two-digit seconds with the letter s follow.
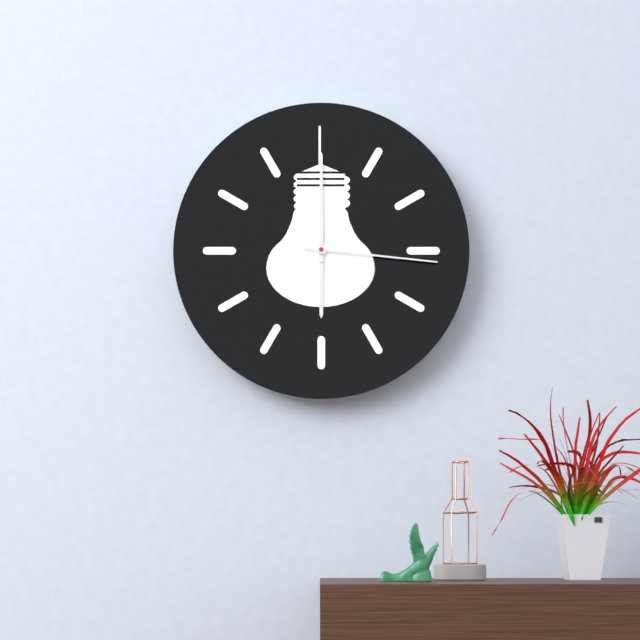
6h00m16s
